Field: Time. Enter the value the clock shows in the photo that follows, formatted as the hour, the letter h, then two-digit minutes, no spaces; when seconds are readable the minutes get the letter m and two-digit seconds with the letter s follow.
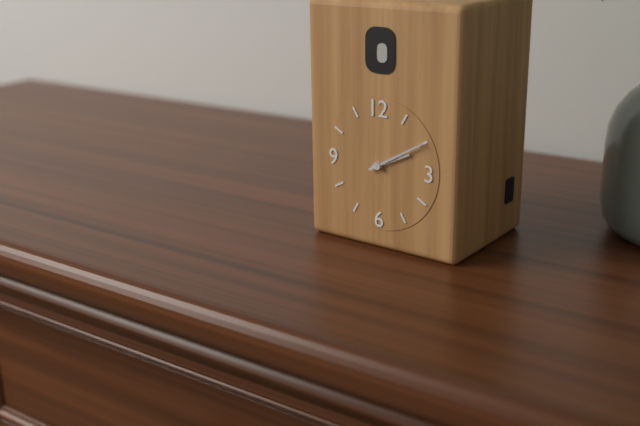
2h10
